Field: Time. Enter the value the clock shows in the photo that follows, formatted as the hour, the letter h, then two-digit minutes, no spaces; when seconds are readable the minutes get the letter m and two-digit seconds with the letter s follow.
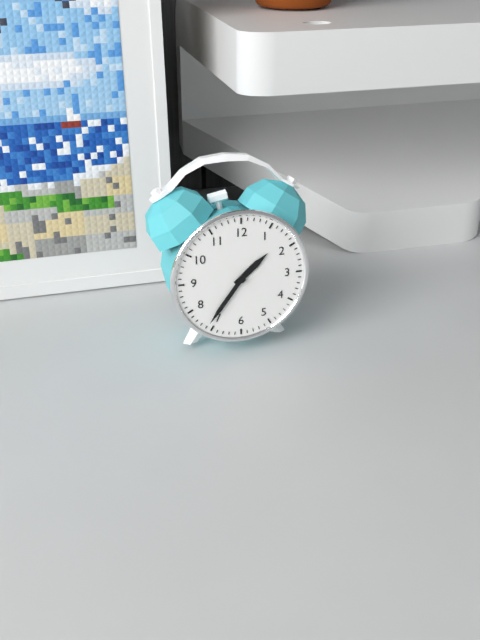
1h36
